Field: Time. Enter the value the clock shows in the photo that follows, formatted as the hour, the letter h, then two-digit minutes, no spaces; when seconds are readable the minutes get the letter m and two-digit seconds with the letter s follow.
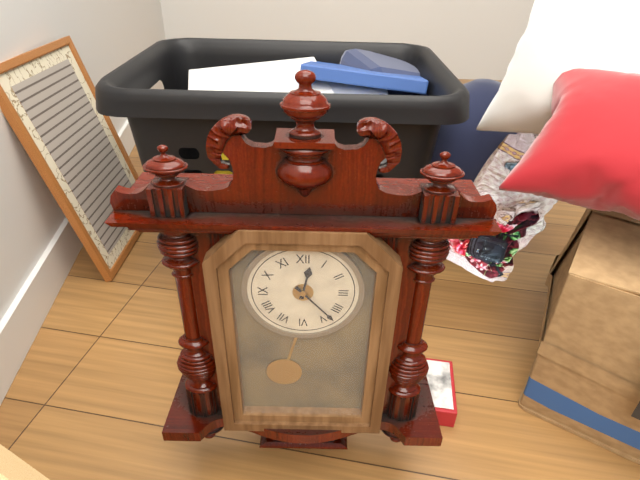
12h23
